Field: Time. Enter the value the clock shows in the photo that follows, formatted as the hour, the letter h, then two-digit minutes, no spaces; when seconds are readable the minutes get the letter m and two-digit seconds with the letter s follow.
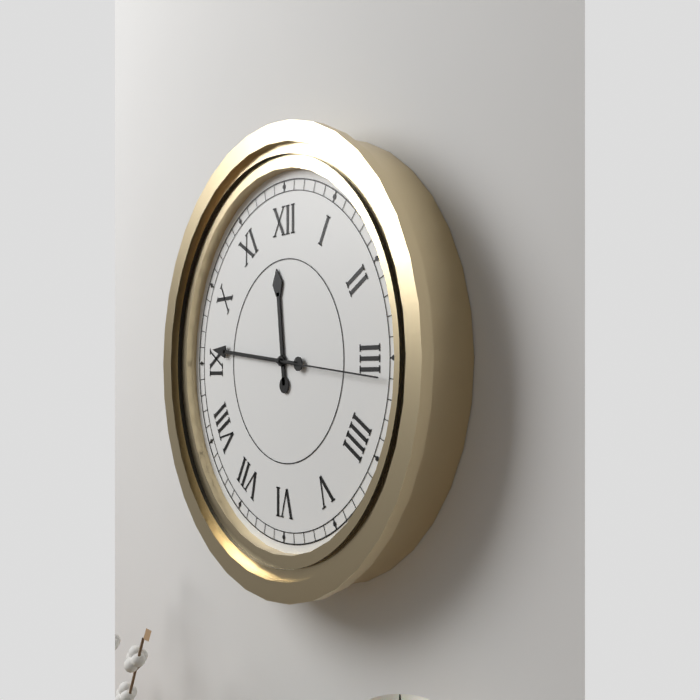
11h46m16s
